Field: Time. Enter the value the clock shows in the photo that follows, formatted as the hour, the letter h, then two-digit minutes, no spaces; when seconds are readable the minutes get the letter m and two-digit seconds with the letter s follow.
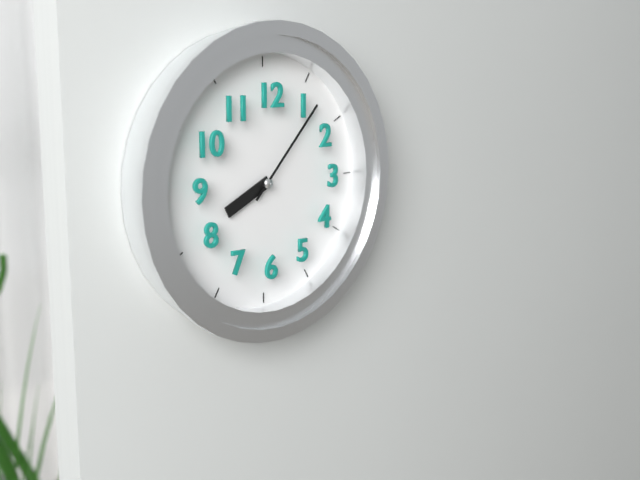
8h07
